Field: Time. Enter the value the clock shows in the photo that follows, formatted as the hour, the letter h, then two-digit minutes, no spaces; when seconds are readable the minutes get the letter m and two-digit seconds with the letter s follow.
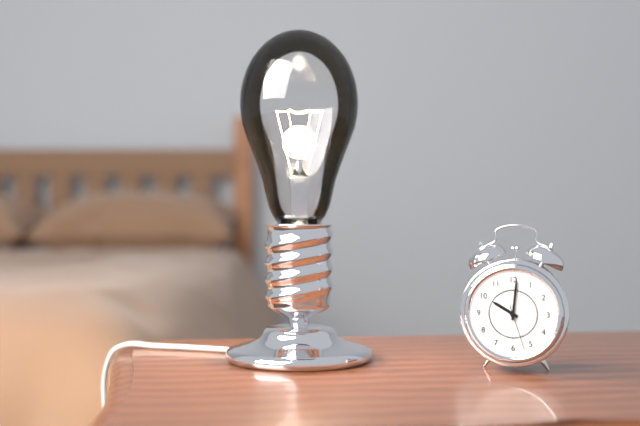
10h01
